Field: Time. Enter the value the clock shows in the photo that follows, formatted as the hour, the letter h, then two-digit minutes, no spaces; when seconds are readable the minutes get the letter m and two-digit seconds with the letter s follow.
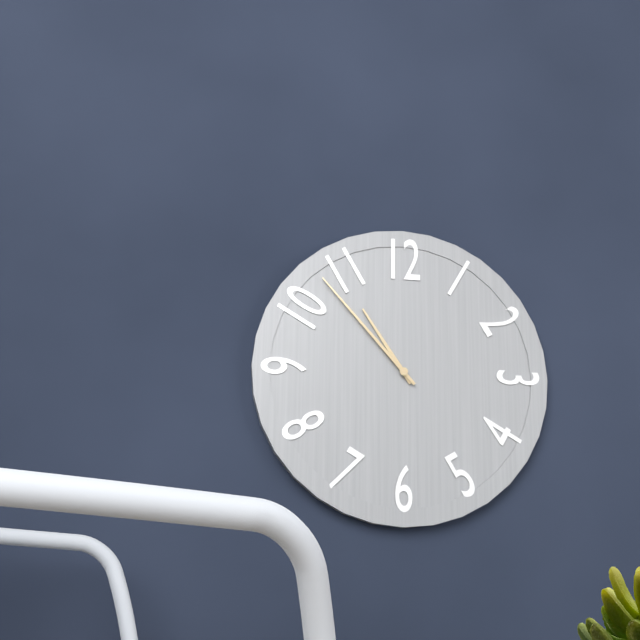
10h53
